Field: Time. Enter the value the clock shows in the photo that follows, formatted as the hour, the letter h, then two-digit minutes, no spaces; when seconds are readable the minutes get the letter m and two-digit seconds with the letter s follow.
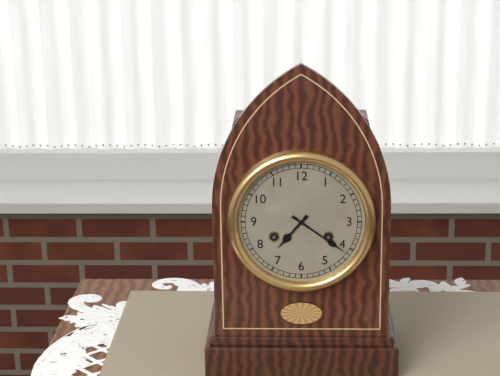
7h21
